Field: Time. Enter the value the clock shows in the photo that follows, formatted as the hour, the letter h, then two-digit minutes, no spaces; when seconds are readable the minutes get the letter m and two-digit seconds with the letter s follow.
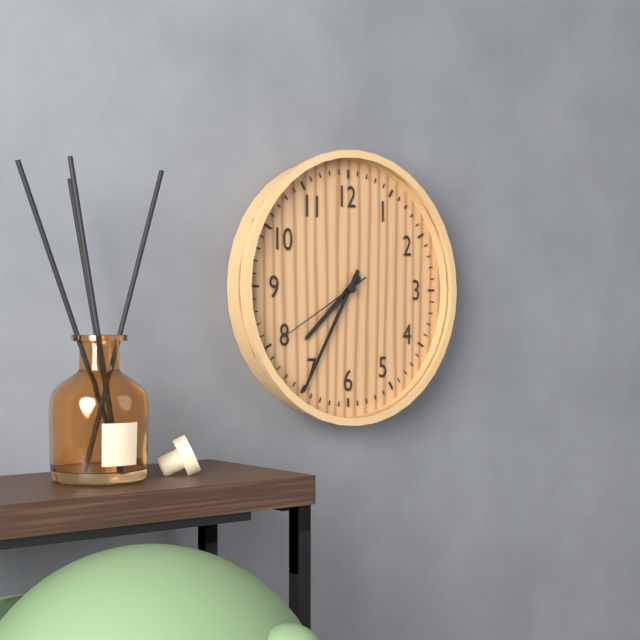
7h35m40s
